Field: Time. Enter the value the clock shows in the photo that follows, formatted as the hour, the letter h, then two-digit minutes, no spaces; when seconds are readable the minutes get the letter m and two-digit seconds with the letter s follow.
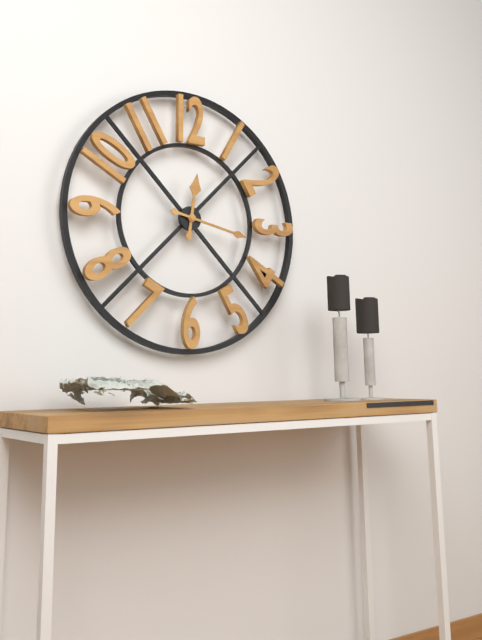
12h17
